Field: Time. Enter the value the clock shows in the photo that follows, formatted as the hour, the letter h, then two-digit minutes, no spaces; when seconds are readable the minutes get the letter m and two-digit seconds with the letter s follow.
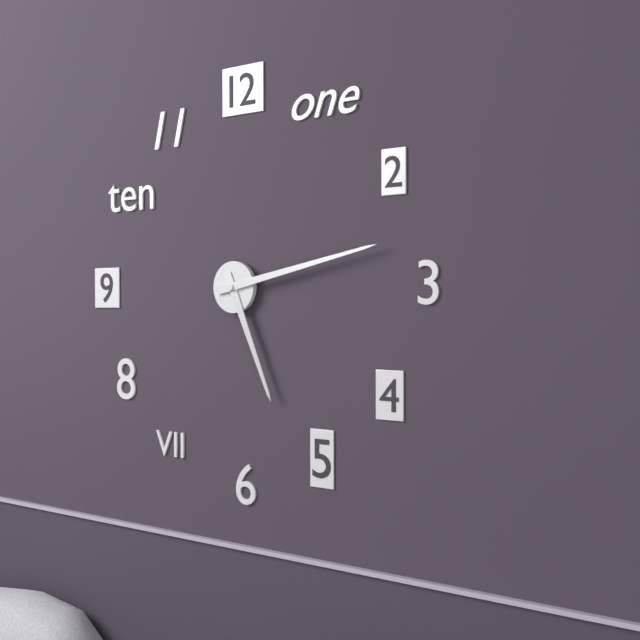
5h13
